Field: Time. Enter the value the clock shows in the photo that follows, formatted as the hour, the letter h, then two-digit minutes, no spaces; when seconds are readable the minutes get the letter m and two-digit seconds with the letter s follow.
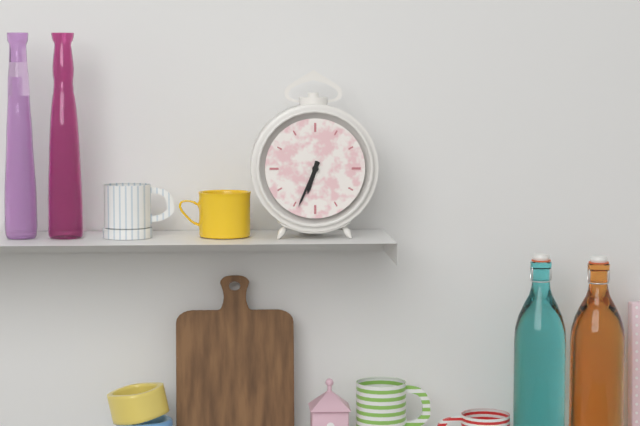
6h34
